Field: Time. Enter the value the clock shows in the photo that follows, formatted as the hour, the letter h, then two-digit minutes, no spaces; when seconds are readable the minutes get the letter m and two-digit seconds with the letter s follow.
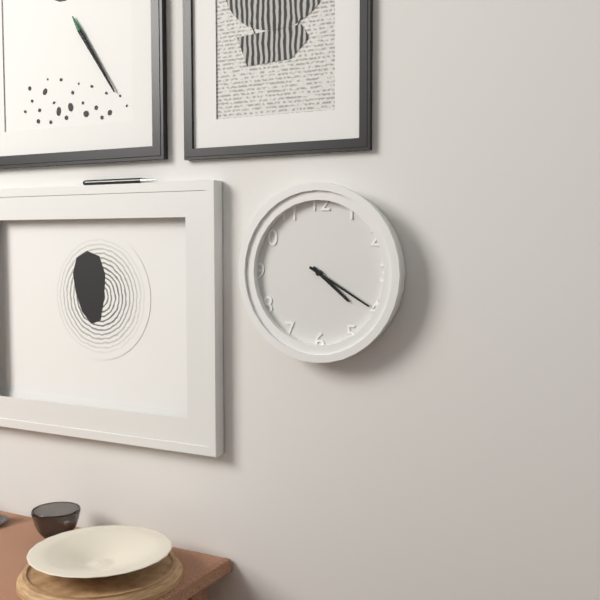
4h20
